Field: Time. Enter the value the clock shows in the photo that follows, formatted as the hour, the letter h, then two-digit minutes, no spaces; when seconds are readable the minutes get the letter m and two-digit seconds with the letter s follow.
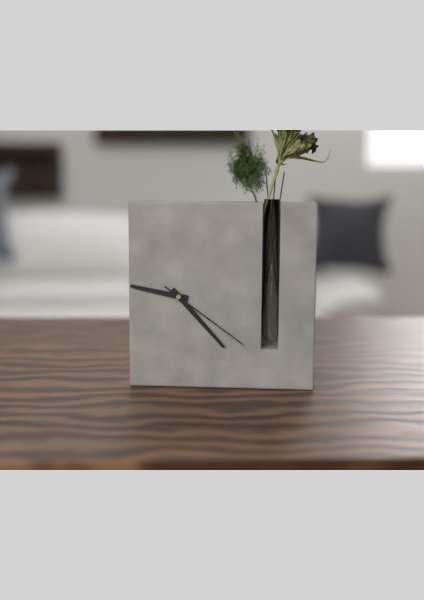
9h23m21s
